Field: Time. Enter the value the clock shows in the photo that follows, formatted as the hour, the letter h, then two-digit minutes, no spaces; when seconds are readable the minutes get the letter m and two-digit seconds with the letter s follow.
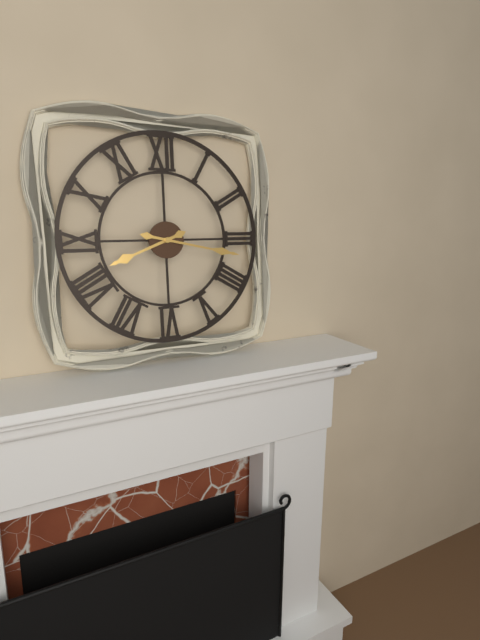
8h17
